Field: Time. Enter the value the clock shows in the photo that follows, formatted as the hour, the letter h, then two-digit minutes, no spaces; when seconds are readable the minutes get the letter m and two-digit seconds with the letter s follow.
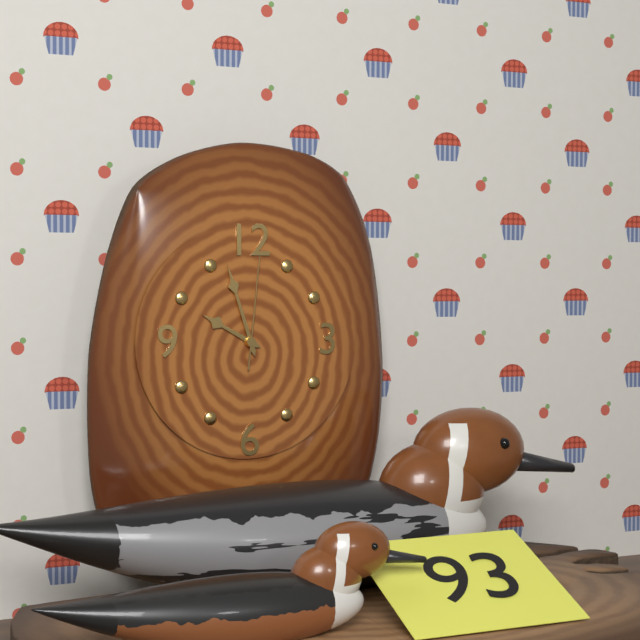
9h57m01s
